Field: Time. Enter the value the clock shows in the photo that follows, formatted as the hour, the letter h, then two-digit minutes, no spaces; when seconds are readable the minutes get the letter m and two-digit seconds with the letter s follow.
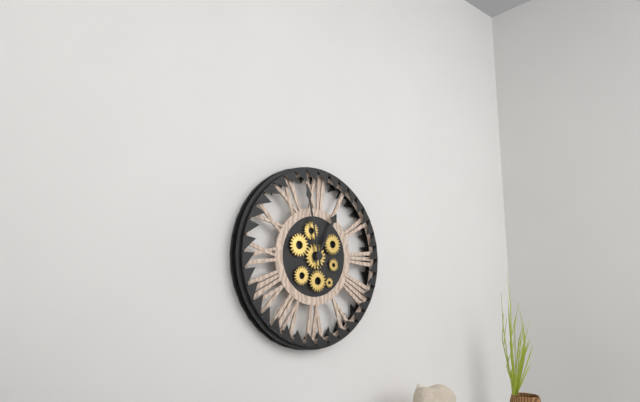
12h58
